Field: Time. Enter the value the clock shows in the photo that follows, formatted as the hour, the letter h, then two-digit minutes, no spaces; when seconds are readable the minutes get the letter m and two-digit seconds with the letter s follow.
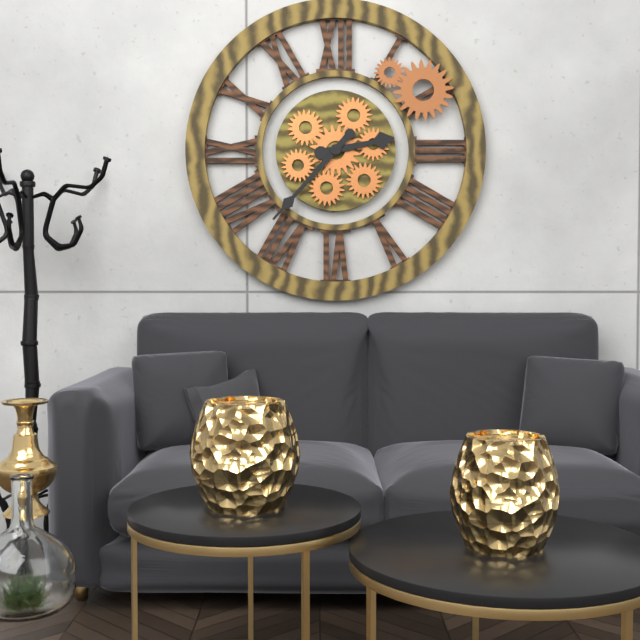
2h37
